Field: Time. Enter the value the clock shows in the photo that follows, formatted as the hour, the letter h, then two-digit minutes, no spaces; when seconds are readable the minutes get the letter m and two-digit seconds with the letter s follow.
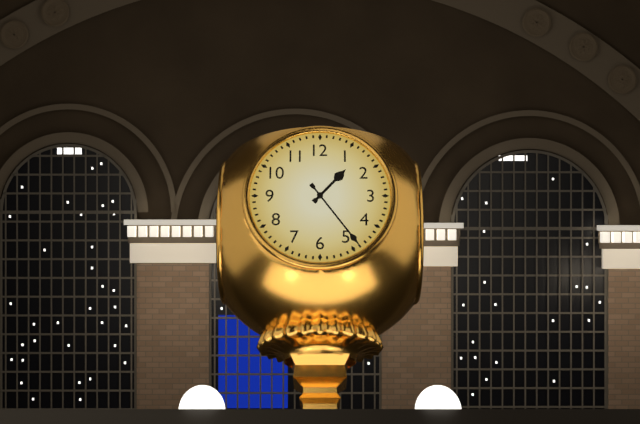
1h24
